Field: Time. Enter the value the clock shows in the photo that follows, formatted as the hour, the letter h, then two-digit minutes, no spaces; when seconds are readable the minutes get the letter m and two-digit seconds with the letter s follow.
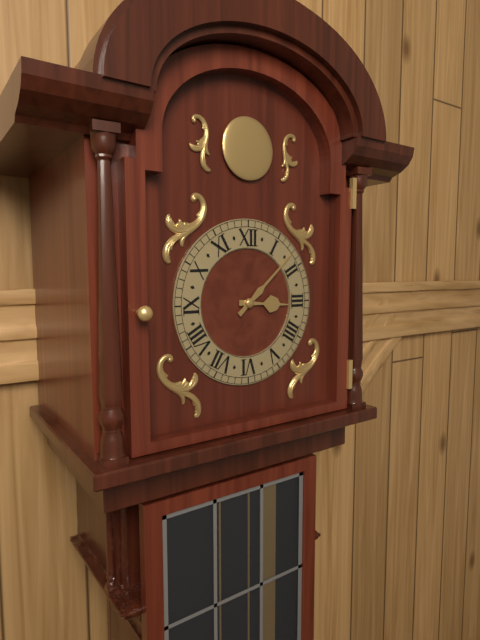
3h08
